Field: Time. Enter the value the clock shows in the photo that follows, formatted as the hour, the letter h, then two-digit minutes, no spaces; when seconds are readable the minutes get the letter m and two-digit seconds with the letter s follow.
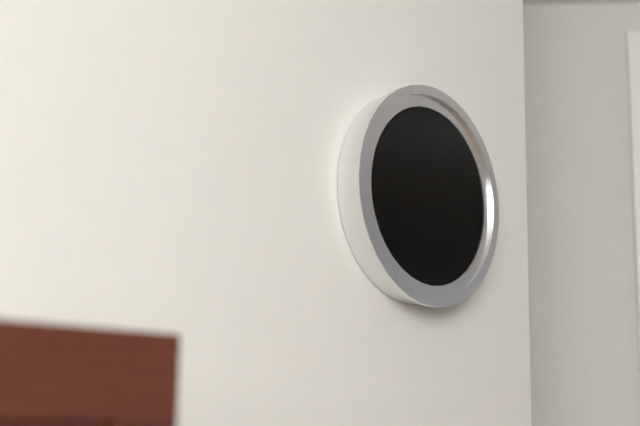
10h47
